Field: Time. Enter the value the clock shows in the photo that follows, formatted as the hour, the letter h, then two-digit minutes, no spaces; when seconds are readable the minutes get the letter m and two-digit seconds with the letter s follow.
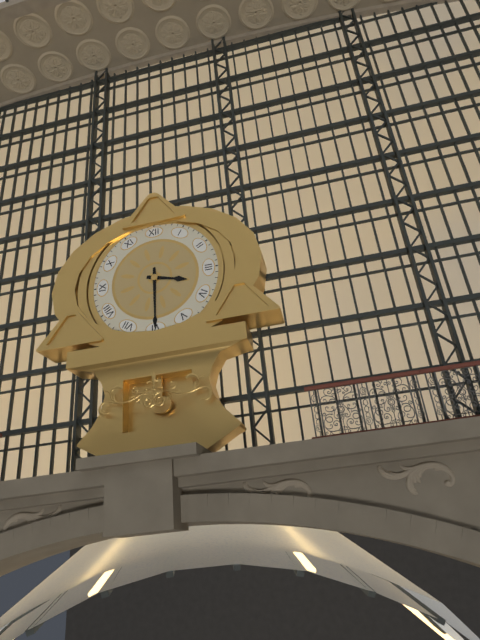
3h30
